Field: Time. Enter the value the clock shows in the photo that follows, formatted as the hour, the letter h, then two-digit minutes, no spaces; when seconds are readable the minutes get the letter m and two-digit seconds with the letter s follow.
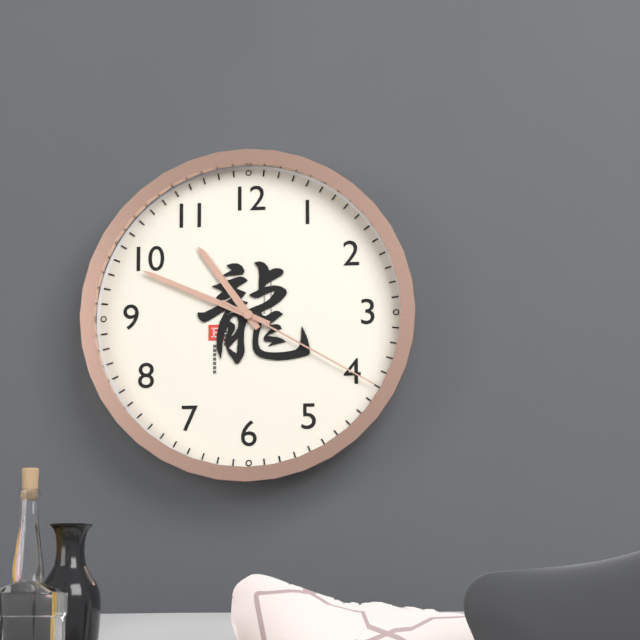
10h49m20s
